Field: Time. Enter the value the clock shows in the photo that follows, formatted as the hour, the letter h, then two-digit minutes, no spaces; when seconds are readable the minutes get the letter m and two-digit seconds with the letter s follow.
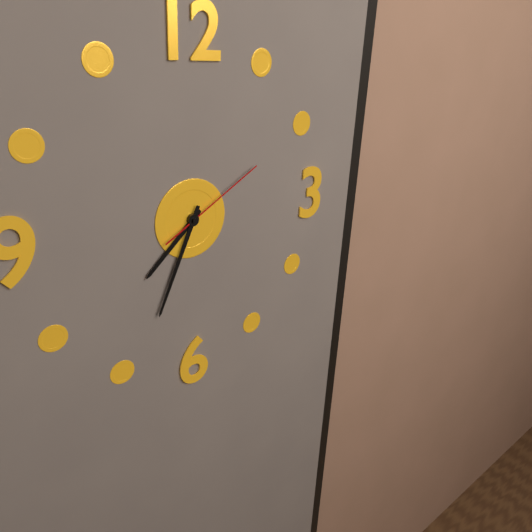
7h34m10s
